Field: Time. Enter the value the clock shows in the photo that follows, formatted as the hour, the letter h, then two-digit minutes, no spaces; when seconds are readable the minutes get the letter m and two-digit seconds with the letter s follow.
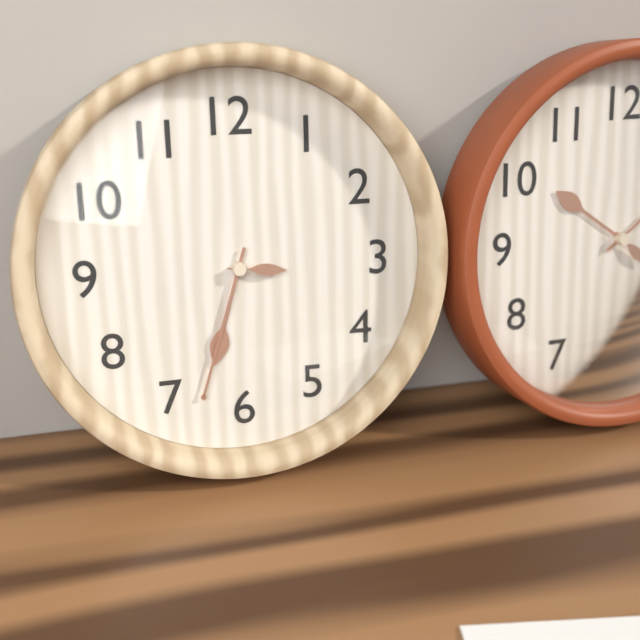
6h33m16s
